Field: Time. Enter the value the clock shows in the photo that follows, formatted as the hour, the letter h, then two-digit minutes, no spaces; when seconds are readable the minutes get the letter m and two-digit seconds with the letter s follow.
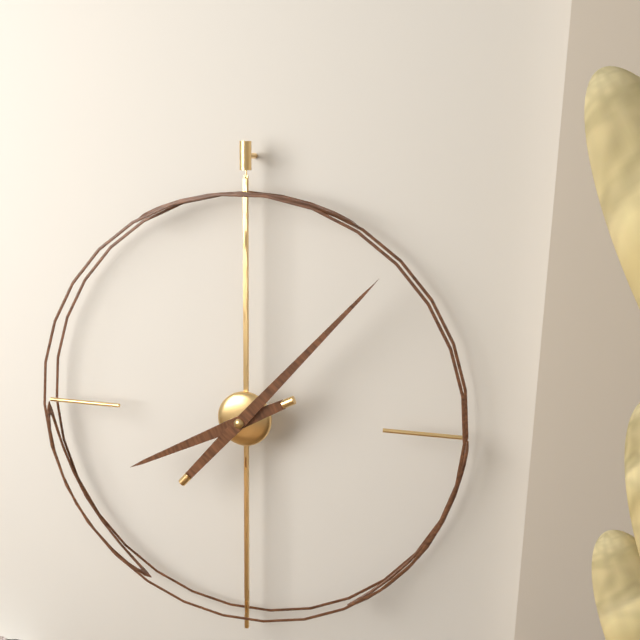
8h07
